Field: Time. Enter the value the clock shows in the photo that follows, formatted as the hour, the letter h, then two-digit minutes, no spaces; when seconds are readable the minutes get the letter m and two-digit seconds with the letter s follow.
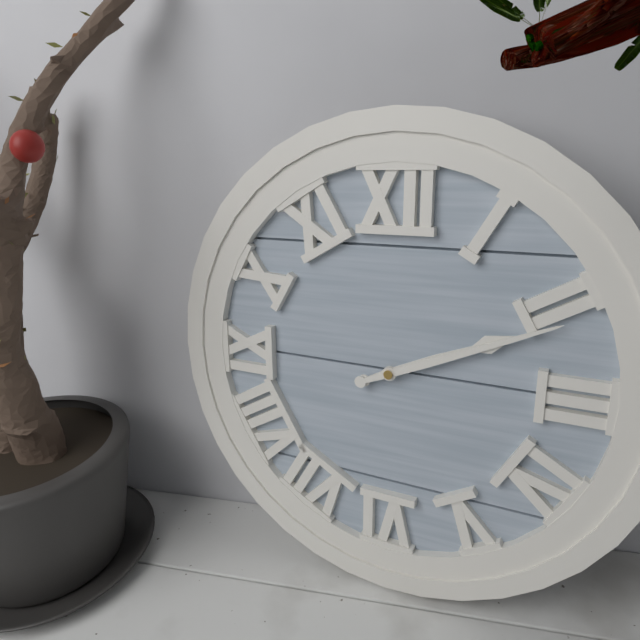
2h11
